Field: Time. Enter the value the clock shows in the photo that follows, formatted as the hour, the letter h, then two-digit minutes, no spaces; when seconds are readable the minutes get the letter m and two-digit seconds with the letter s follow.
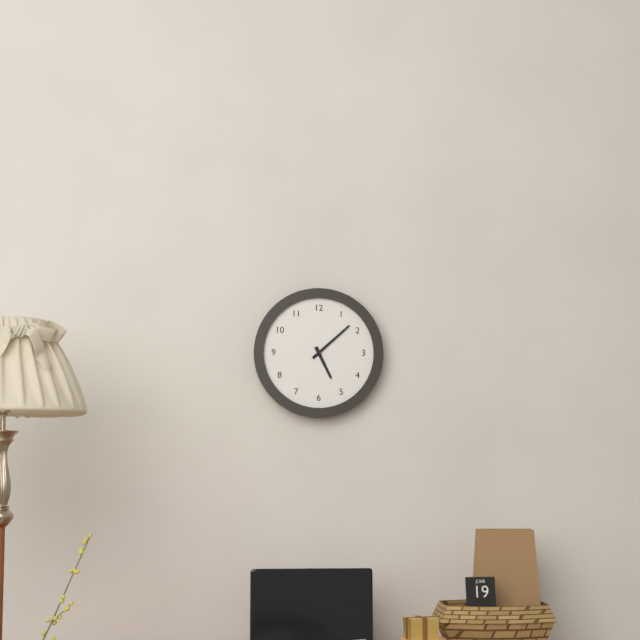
5h08
